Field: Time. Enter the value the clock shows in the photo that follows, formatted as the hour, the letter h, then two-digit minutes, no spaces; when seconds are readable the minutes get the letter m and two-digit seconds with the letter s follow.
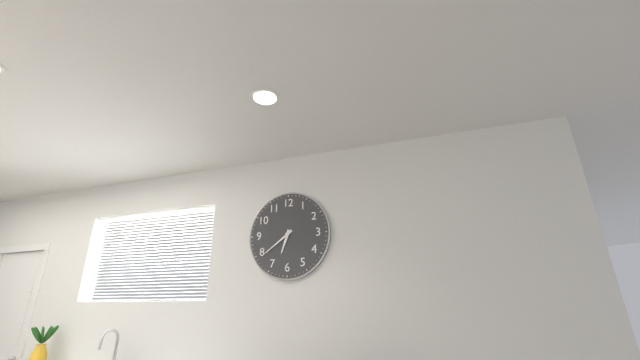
6h39
